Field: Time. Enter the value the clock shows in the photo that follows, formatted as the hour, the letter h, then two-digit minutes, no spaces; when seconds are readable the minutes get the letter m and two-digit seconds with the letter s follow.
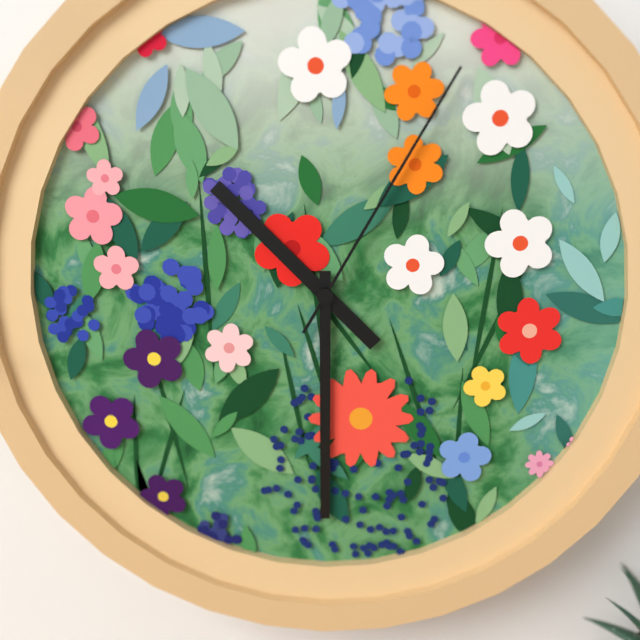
10h30m05s
